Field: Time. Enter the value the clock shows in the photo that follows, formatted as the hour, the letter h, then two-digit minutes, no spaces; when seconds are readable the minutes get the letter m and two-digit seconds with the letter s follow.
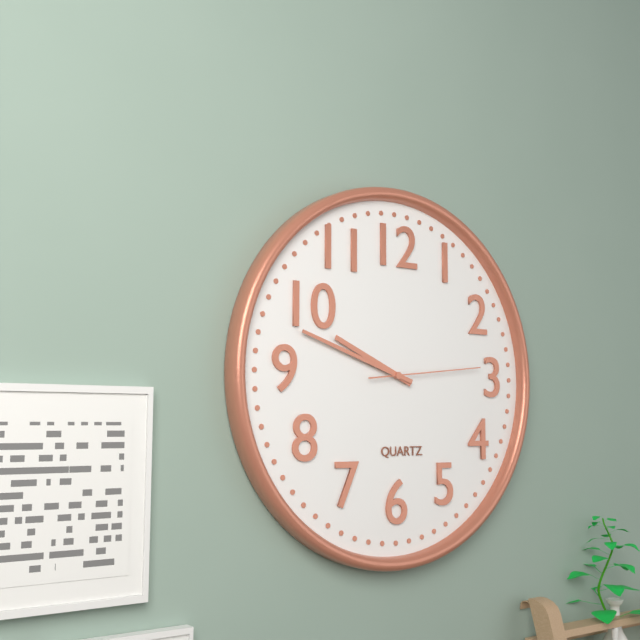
9h48m14s
